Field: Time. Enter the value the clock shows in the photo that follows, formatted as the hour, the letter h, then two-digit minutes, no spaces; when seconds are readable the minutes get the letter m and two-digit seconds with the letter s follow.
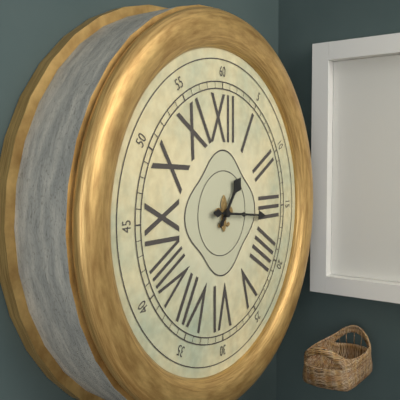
1h16
